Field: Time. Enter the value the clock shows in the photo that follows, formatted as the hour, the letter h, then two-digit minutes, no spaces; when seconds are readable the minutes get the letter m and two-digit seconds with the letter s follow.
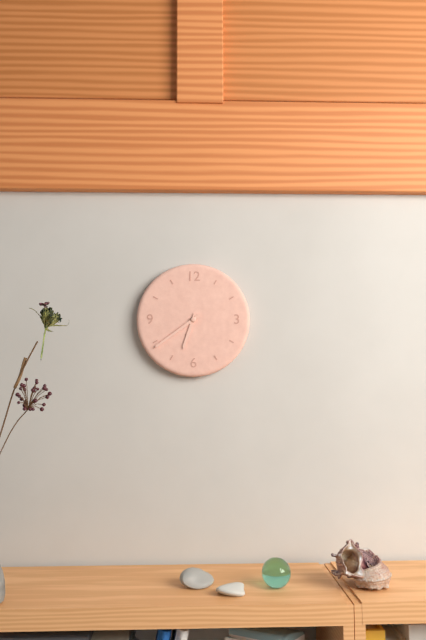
6h39
